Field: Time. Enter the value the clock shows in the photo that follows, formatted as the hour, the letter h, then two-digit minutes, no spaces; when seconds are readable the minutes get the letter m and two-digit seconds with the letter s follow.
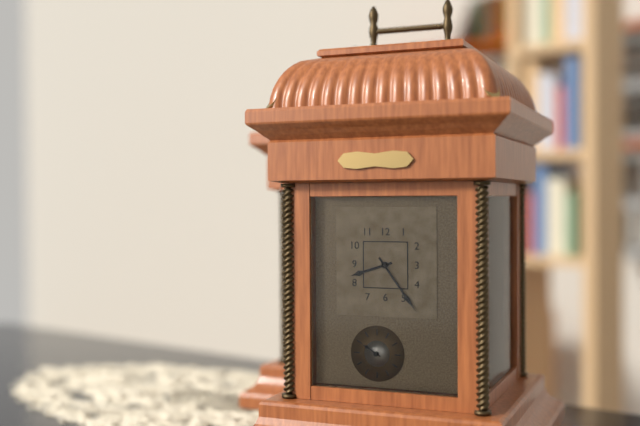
8h24
